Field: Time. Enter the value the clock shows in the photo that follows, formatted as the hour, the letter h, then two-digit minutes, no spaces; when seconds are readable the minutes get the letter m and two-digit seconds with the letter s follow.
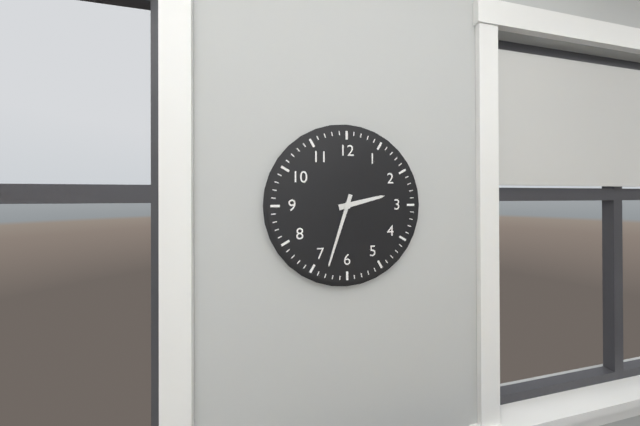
2h33
